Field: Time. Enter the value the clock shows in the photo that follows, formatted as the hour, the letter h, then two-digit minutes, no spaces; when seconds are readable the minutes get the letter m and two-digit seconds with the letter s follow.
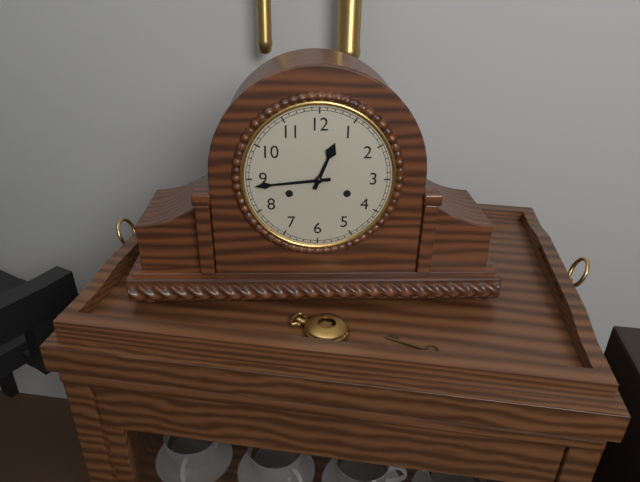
12h44
